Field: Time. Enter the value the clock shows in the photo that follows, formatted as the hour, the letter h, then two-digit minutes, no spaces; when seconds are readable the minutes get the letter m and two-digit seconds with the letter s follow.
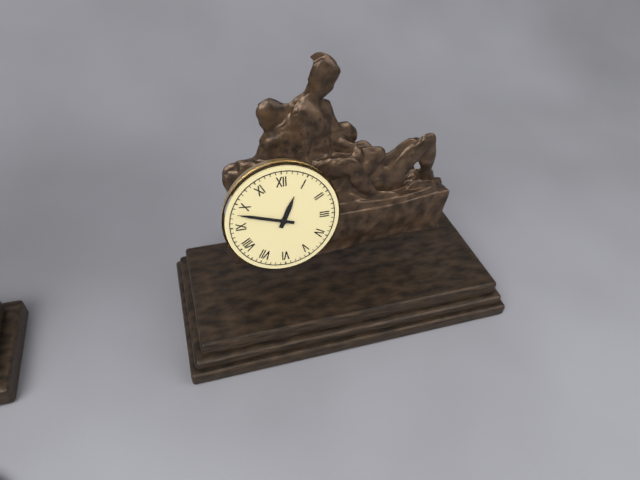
12h48
